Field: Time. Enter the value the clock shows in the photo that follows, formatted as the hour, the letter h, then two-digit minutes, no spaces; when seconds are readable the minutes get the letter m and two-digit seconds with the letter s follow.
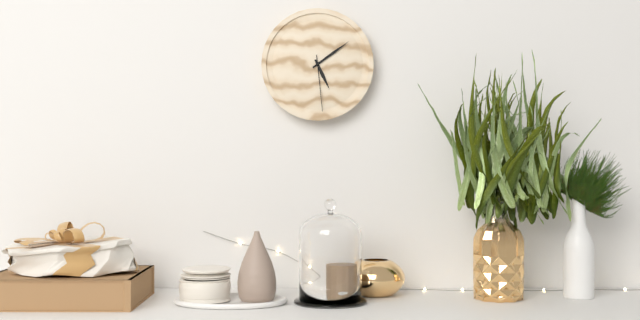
5h09m29s
